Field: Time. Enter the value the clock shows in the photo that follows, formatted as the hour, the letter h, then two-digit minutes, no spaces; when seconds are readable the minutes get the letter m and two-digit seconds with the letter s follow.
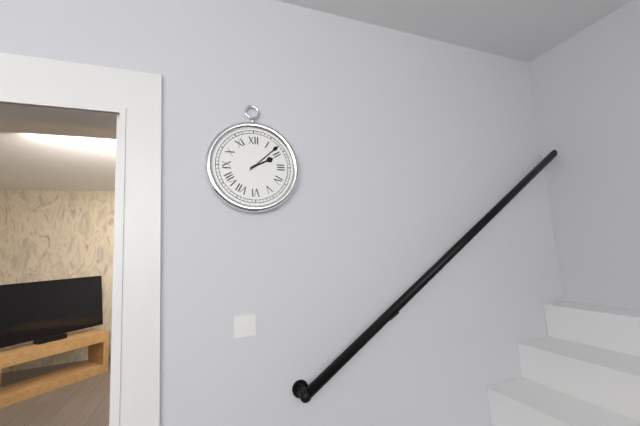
2h08
